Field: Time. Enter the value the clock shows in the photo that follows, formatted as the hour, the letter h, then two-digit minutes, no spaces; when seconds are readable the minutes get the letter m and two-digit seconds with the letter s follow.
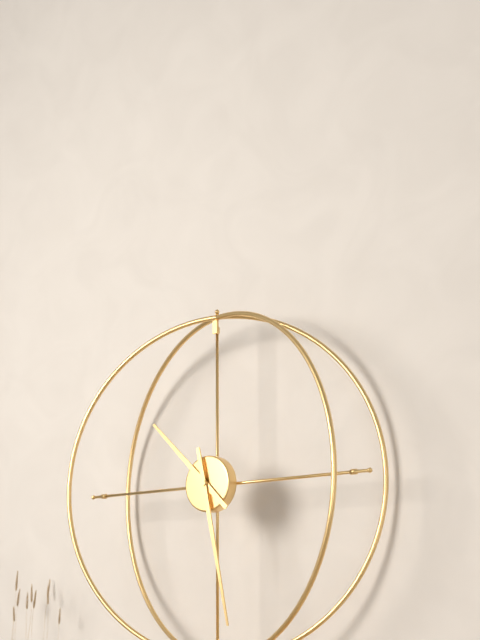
10h28
